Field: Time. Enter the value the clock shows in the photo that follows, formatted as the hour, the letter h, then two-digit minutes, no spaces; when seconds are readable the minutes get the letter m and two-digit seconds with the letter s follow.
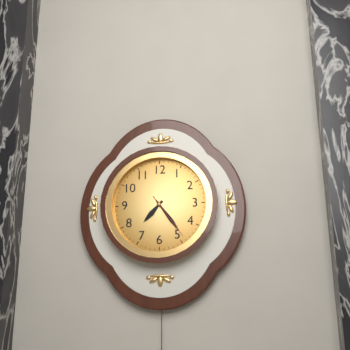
7h24m24s
